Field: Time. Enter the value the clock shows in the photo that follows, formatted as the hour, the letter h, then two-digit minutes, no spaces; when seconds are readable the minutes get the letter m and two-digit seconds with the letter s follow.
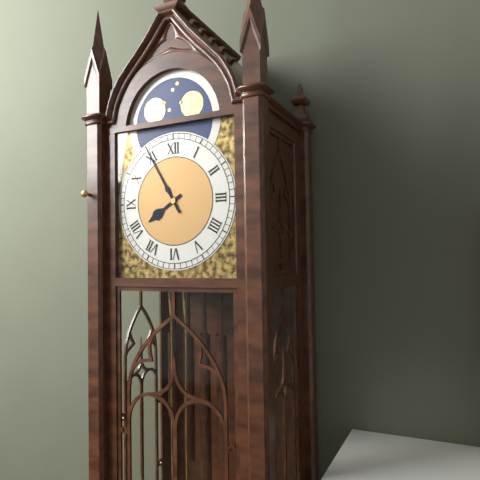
7h55
